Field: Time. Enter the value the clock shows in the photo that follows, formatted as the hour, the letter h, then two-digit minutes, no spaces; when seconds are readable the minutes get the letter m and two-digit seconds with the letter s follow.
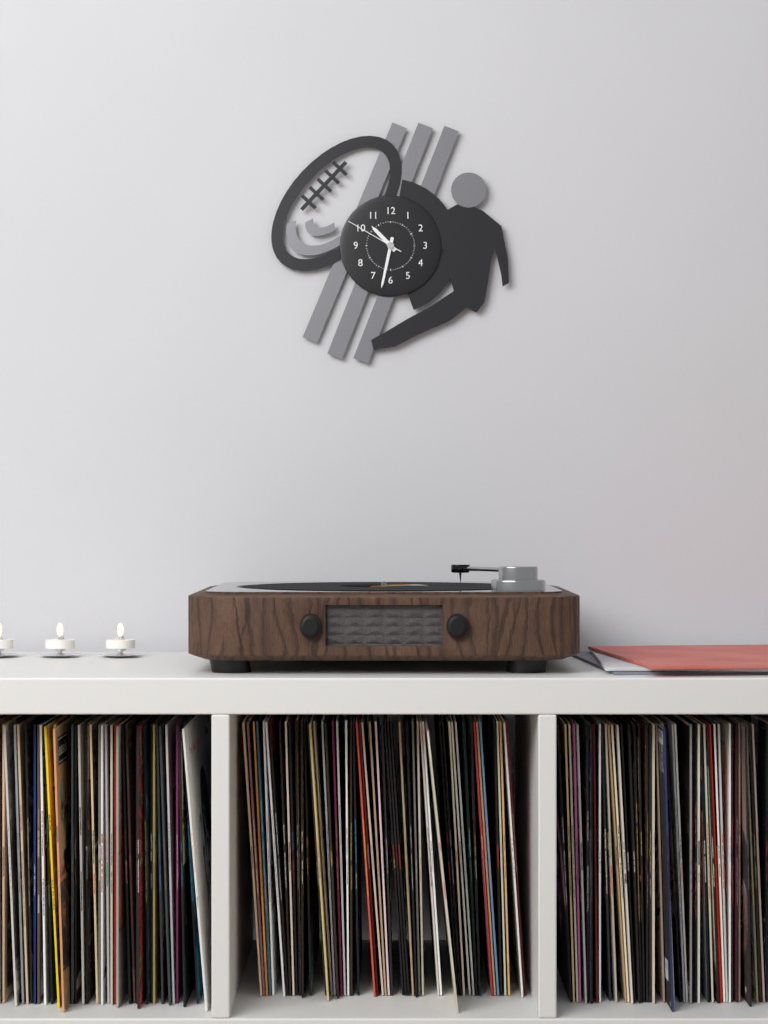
10h32m50s
